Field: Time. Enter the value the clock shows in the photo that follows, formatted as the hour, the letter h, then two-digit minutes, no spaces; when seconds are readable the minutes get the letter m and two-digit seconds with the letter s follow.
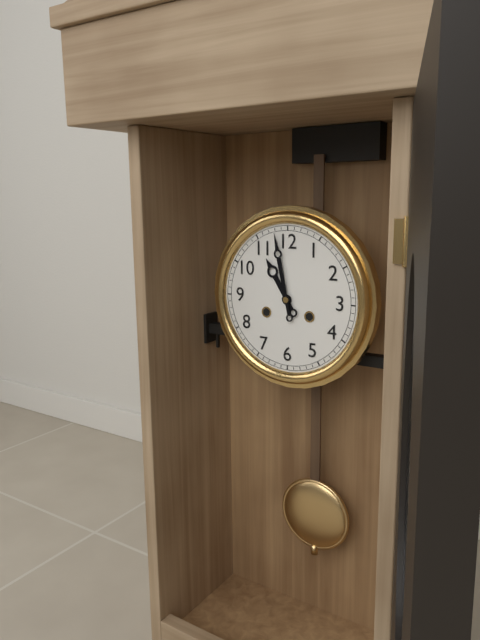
10h58
